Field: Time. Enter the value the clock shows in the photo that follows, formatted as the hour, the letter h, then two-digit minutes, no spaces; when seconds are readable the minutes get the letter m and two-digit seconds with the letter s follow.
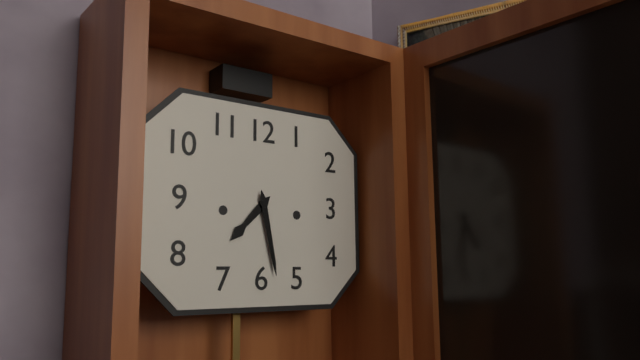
7h28
